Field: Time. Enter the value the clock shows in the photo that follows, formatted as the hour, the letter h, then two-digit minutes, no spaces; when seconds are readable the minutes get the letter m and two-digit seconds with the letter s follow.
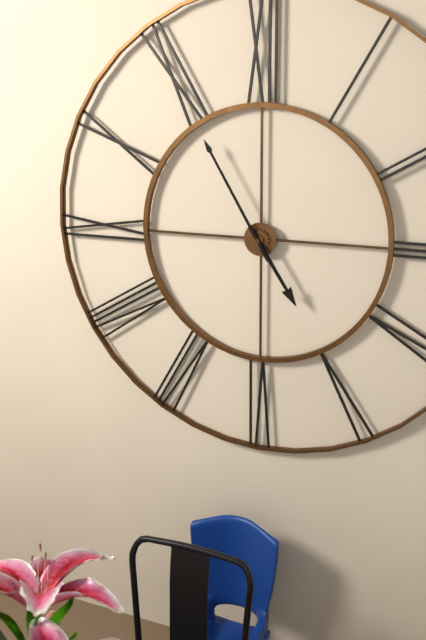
4h55
